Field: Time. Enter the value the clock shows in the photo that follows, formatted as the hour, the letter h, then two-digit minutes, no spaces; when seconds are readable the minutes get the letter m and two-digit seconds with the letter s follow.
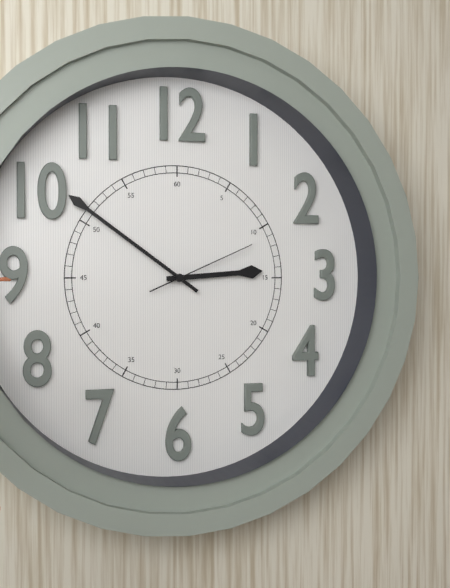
2h51m11s
